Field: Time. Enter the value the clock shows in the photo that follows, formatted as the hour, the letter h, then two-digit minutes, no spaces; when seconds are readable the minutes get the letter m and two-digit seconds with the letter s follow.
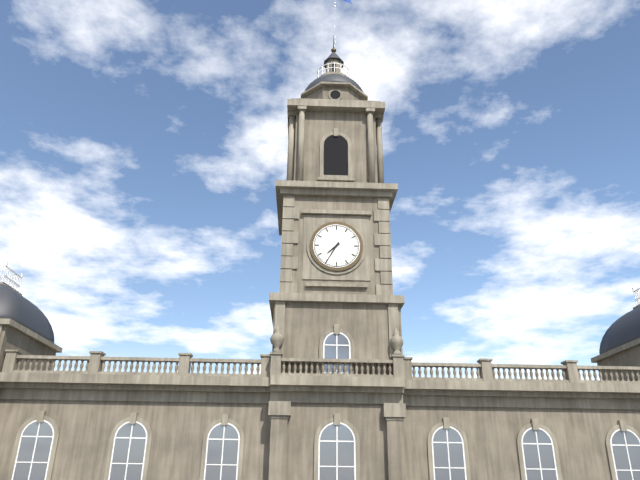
7h35
